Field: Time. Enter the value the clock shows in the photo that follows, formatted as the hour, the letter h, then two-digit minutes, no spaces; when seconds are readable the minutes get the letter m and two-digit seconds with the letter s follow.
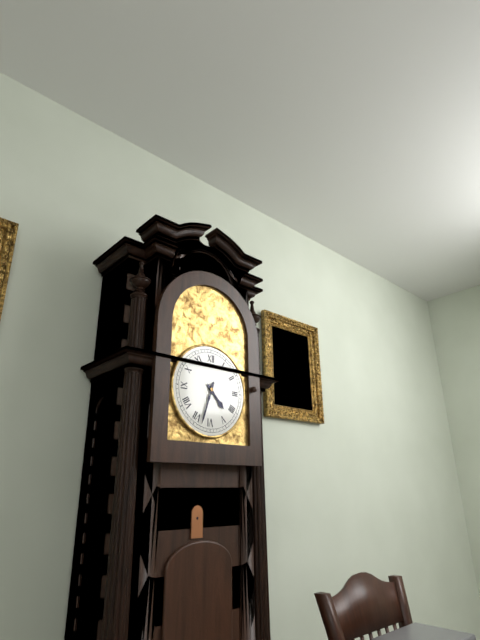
4h33
